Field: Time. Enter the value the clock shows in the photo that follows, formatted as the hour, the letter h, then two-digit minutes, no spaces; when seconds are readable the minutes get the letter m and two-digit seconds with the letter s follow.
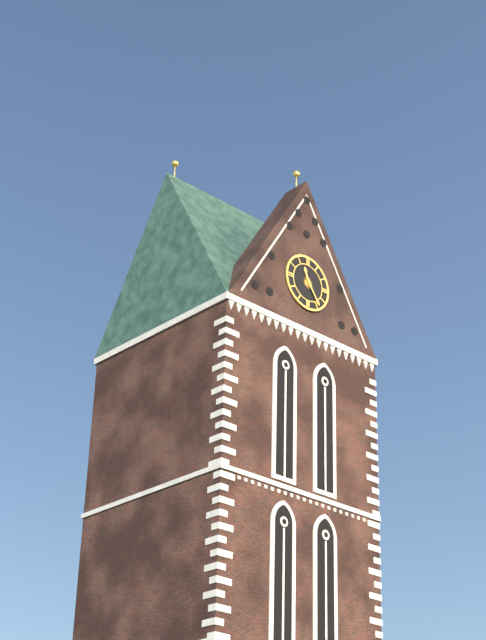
11h24
